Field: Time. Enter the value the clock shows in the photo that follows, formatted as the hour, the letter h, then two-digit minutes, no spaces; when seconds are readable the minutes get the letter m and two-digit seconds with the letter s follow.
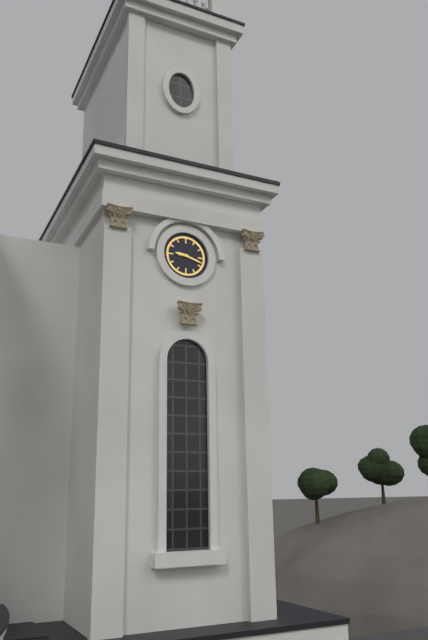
9h18
